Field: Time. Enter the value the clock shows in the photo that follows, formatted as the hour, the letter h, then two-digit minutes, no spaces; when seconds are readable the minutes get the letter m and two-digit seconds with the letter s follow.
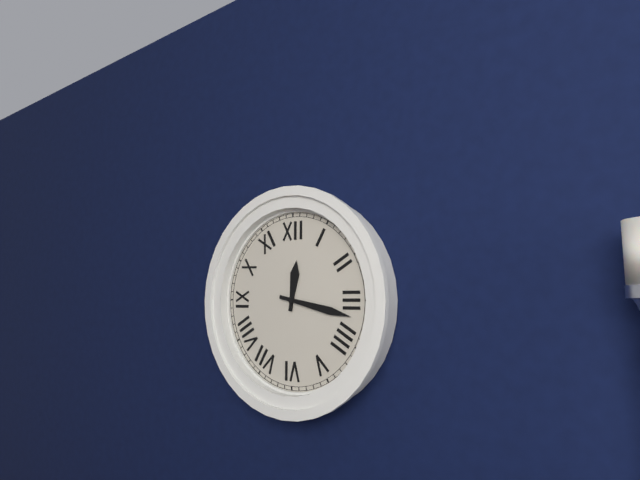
12h17
